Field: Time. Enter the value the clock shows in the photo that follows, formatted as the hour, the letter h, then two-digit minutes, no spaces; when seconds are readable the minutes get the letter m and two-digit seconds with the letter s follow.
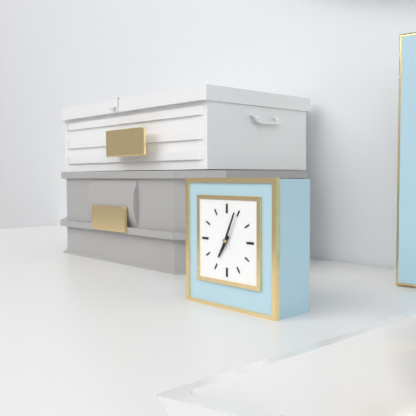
7h04
